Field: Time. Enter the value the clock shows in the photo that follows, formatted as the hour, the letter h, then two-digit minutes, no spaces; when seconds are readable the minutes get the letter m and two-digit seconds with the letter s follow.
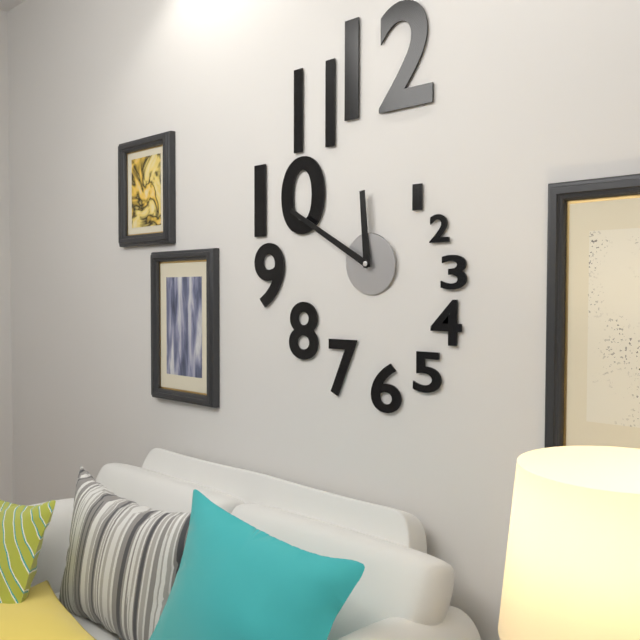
11h50
